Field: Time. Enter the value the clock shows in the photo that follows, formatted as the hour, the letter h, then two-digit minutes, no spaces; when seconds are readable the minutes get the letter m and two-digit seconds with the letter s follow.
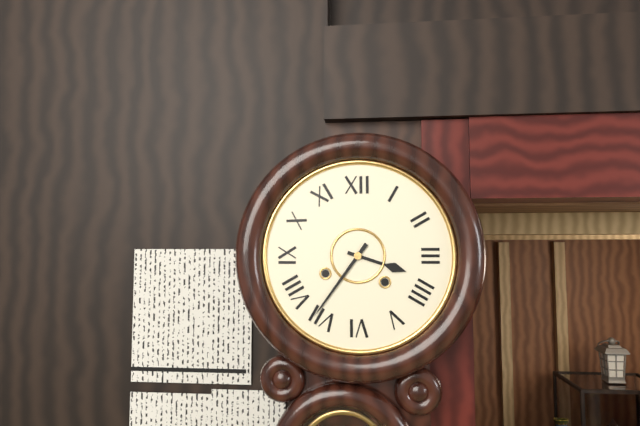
3h36
